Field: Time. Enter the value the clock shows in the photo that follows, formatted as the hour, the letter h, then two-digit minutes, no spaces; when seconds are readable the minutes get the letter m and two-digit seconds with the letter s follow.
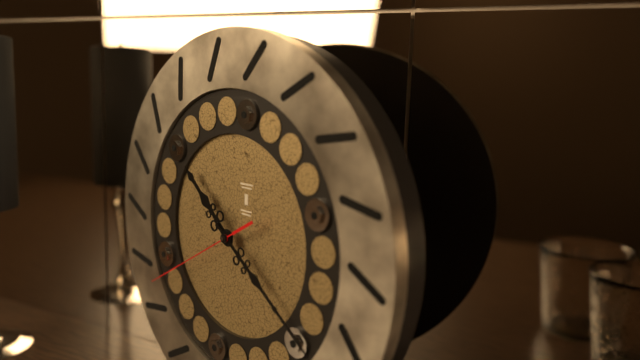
10h21m40s
